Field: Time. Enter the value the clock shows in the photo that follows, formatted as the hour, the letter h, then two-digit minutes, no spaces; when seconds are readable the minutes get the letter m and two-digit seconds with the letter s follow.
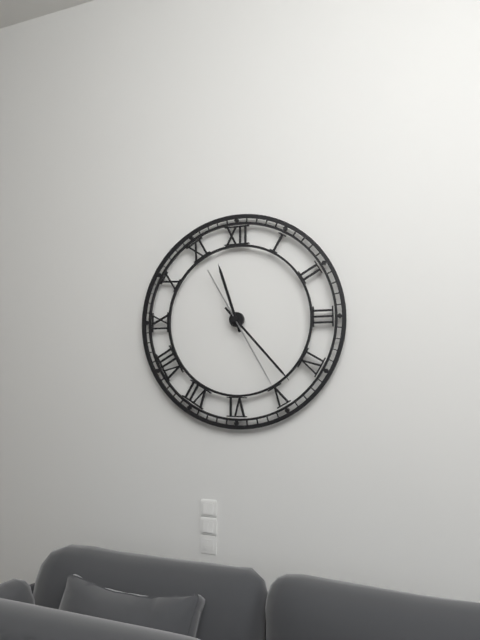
11h23m25s
